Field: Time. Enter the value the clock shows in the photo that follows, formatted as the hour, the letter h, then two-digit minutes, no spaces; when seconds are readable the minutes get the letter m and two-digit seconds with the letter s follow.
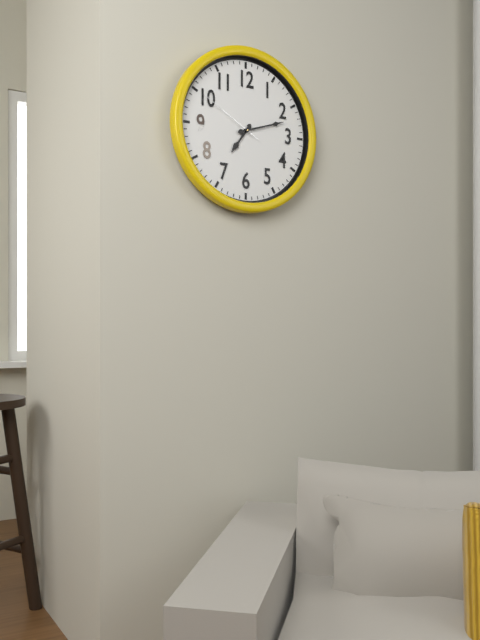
7h12m50s
